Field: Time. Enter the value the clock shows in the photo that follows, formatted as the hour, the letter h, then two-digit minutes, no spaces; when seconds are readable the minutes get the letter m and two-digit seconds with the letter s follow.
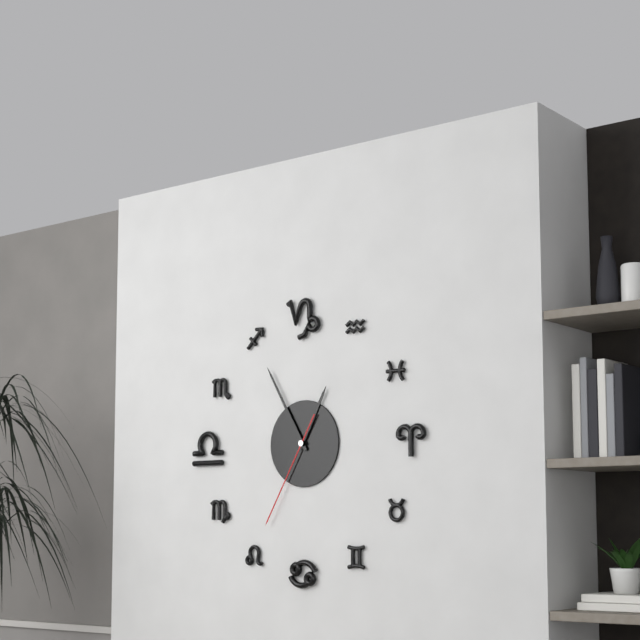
12h55m35s
